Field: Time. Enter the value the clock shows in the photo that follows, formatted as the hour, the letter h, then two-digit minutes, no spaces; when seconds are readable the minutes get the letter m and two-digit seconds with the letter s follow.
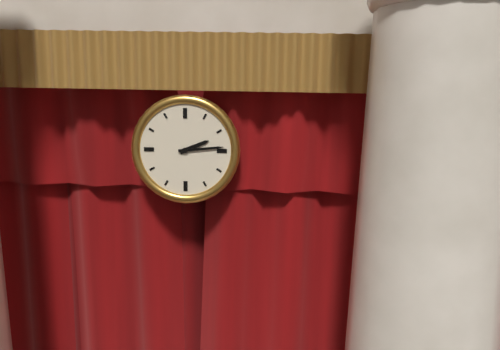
2h14
